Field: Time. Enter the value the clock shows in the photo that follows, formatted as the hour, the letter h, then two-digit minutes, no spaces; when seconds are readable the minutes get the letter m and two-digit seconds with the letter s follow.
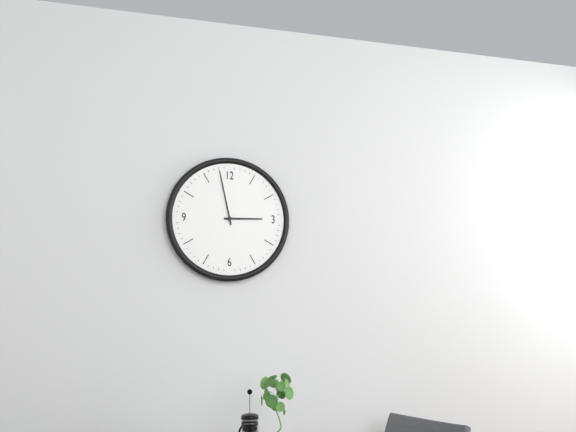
2h58
